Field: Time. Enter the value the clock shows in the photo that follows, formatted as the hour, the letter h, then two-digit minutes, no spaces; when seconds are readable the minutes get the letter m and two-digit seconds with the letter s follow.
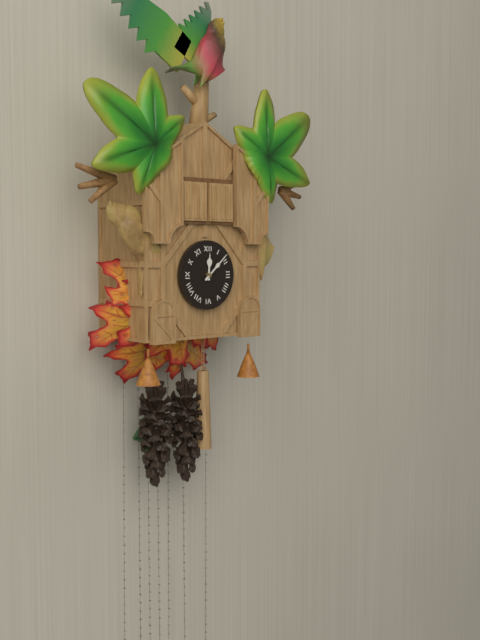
12h08
